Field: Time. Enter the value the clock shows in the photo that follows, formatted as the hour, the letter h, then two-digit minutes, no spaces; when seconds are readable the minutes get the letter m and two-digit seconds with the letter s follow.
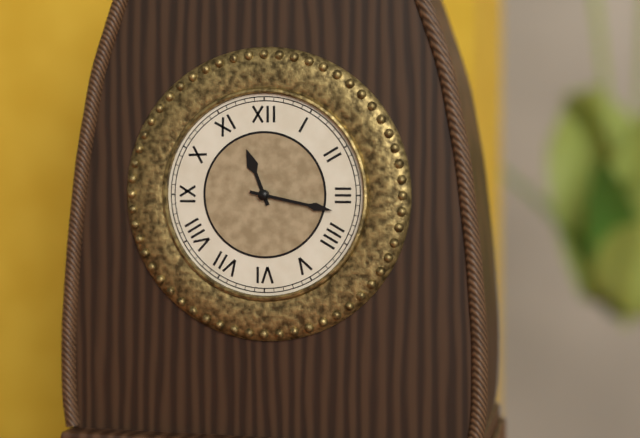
11h17
